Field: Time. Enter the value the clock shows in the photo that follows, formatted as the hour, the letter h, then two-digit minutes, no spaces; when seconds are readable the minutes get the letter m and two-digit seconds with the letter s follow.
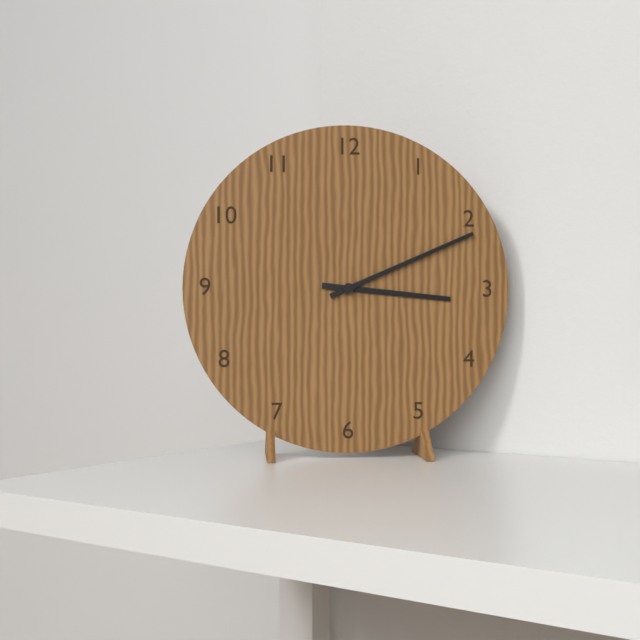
3h11
